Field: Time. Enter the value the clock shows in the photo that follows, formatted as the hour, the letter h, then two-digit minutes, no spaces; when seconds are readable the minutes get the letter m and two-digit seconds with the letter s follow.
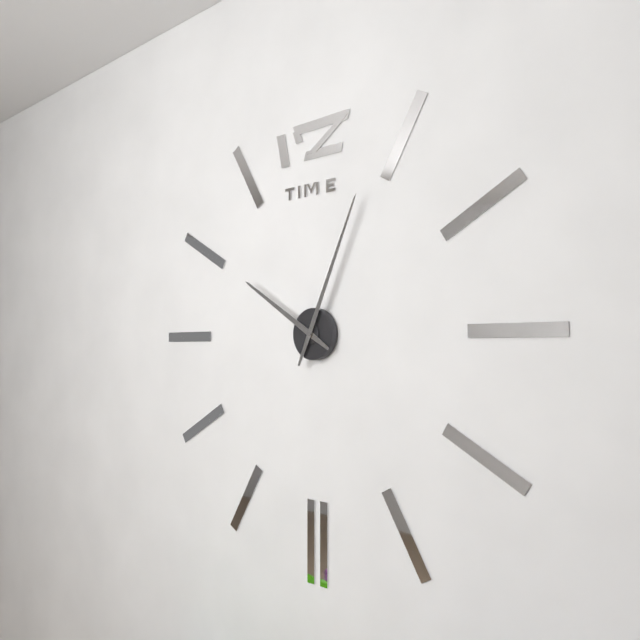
10h04
